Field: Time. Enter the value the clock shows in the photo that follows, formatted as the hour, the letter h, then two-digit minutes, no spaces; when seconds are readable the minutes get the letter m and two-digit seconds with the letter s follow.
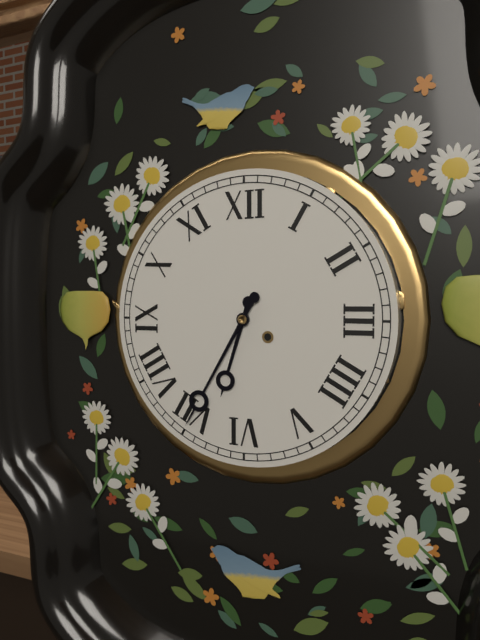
6h35
